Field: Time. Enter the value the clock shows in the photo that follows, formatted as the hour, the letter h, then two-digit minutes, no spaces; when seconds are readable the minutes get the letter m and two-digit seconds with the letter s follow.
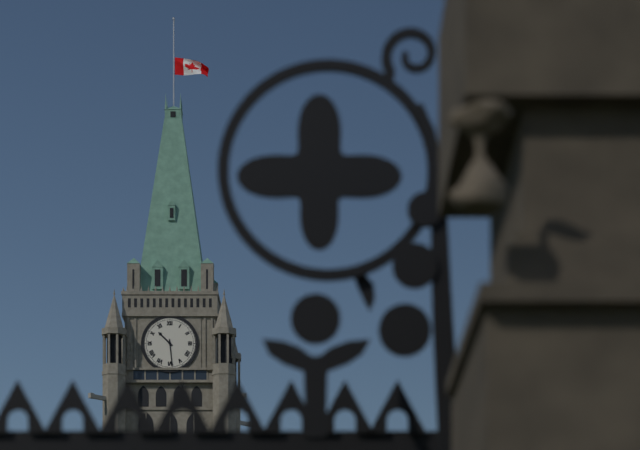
10h29
